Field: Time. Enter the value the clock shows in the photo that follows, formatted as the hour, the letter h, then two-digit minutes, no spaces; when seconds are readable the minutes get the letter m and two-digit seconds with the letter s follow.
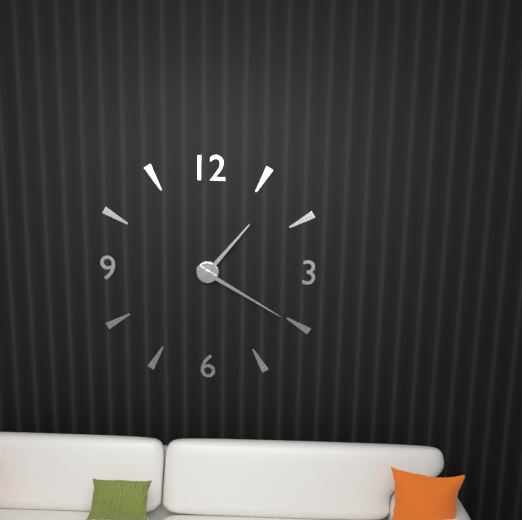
1h20
